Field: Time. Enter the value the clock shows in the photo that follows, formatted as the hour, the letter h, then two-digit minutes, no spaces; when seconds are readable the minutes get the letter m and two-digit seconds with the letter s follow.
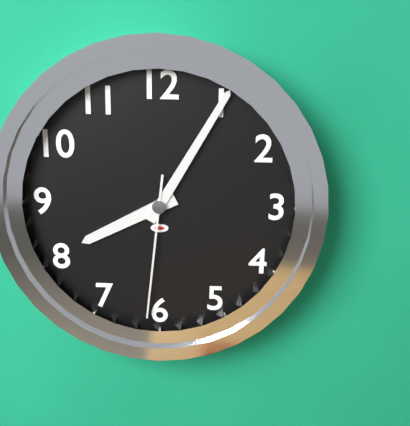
8h05m31s
